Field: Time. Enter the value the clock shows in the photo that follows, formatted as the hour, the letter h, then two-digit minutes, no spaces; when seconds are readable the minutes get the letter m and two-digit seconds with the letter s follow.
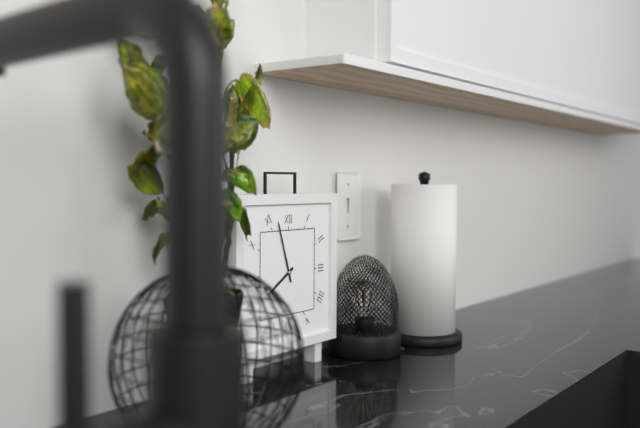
7h57
